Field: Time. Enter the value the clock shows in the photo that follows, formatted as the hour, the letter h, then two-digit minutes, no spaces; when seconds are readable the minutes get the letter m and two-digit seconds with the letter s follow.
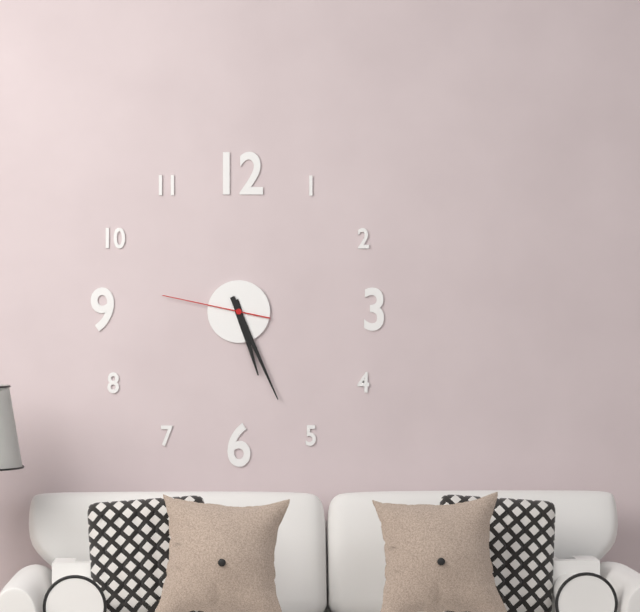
5h26m47s
